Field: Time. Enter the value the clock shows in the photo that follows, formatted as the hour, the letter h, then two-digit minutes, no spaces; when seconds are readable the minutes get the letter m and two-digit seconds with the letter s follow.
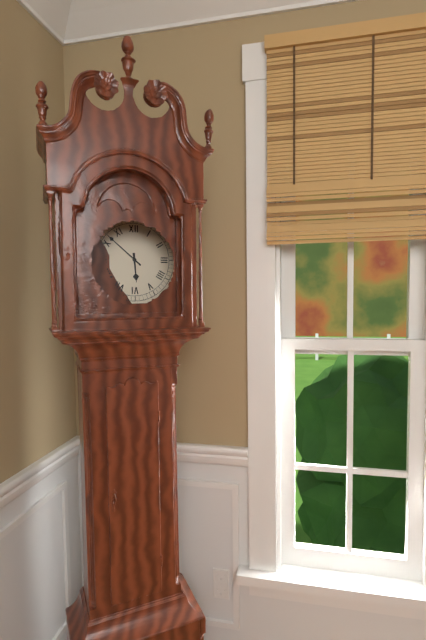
5h52
